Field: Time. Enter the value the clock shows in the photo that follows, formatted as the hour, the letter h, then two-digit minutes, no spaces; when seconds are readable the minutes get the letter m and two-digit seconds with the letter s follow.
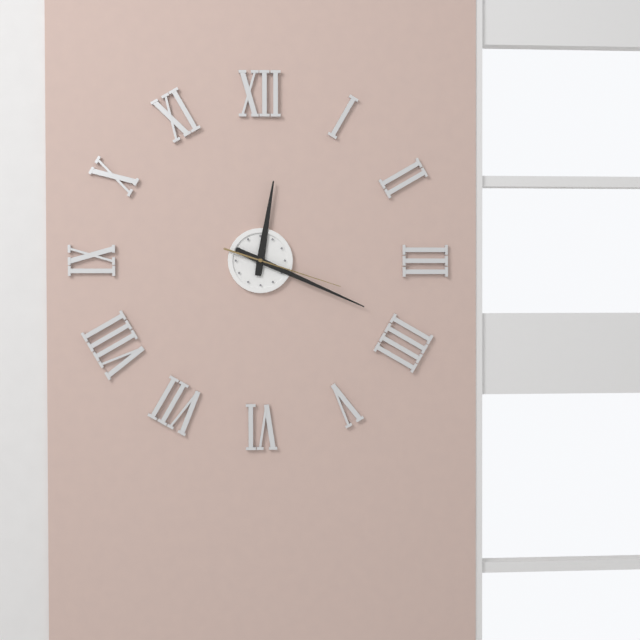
12h19m18s
